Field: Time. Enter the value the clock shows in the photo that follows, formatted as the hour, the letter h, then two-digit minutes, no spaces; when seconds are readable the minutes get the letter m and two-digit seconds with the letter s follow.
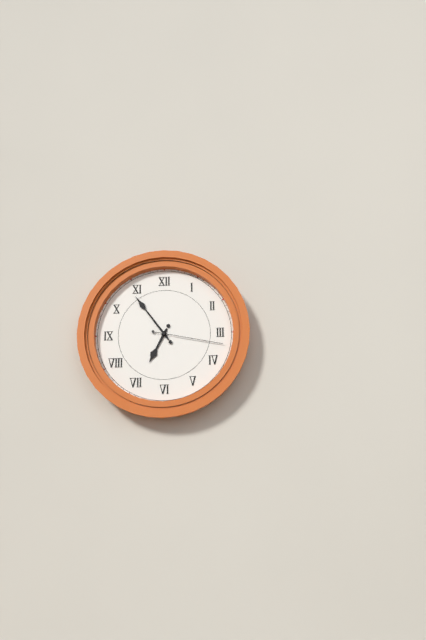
6h54m17s
